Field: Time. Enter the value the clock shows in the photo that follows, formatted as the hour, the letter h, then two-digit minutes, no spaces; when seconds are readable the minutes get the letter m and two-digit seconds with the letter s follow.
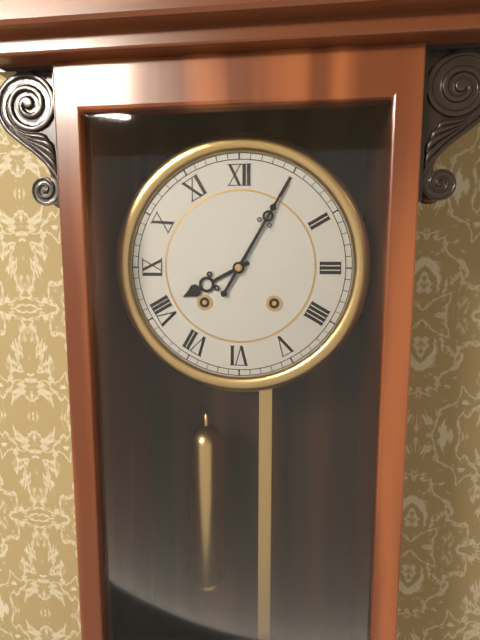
8h05
